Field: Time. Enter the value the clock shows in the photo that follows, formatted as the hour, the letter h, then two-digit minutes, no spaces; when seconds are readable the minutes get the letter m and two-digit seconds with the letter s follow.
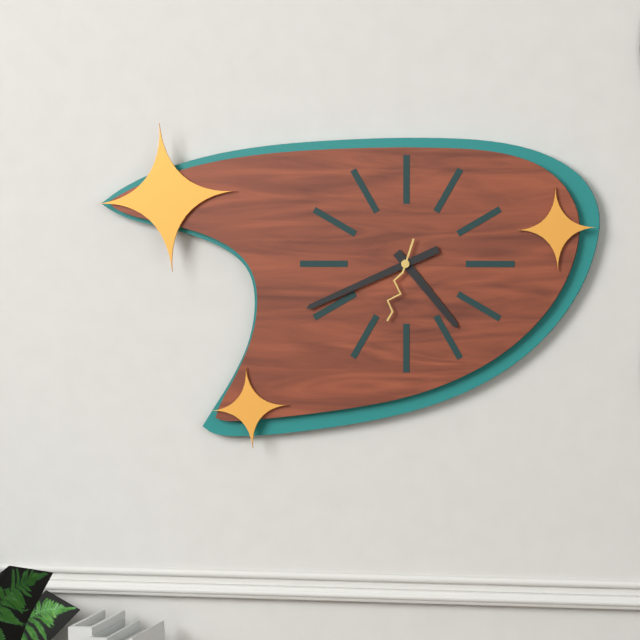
4h41m33s
